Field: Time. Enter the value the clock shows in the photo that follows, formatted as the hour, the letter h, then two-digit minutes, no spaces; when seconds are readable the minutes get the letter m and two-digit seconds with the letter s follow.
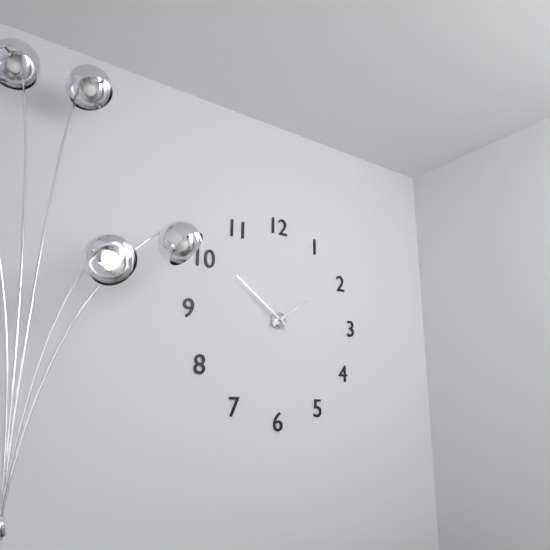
1h51
